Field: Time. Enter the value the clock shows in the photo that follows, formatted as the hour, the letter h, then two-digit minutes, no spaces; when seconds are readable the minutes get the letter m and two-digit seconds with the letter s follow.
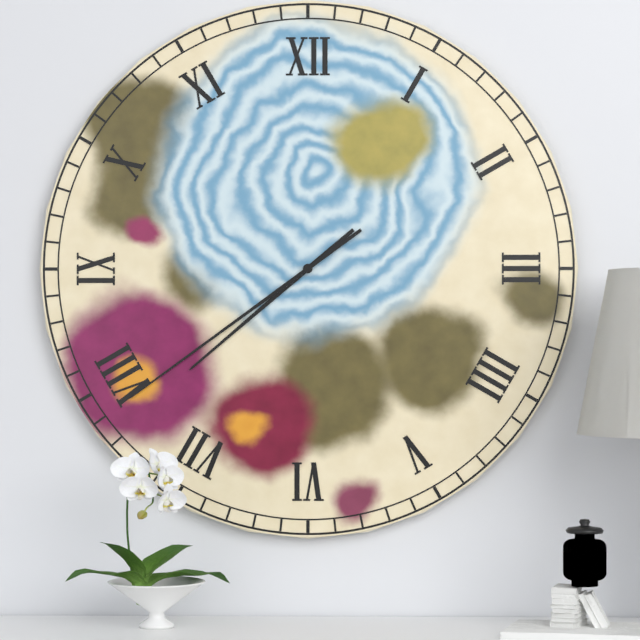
7h39
